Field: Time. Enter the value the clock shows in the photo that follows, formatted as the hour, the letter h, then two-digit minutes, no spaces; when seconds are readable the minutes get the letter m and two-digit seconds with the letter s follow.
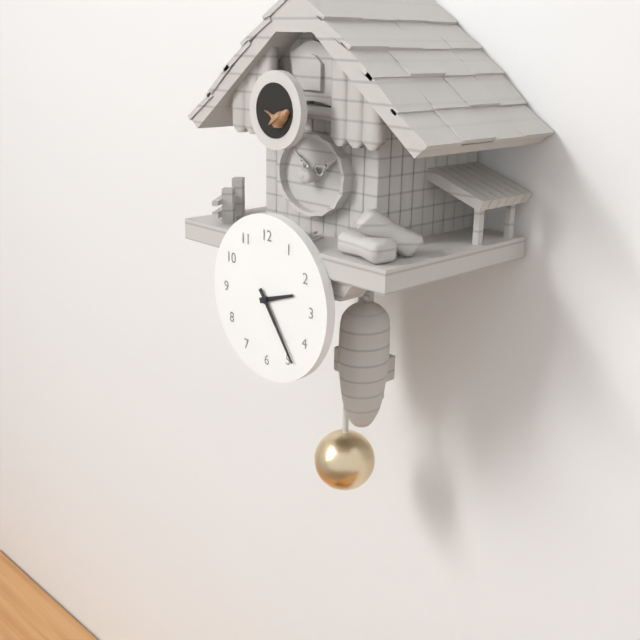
2h24
